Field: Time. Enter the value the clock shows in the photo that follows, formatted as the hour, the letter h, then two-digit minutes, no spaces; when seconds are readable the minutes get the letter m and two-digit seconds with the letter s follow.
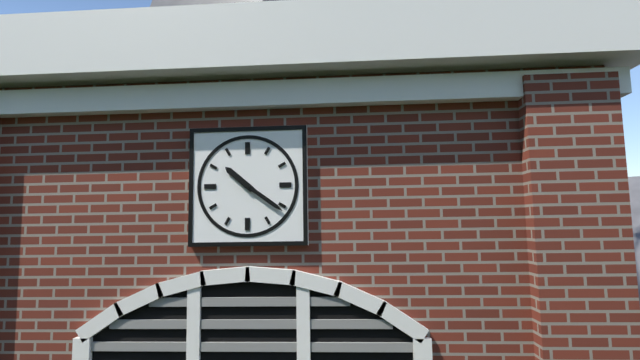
10h21
